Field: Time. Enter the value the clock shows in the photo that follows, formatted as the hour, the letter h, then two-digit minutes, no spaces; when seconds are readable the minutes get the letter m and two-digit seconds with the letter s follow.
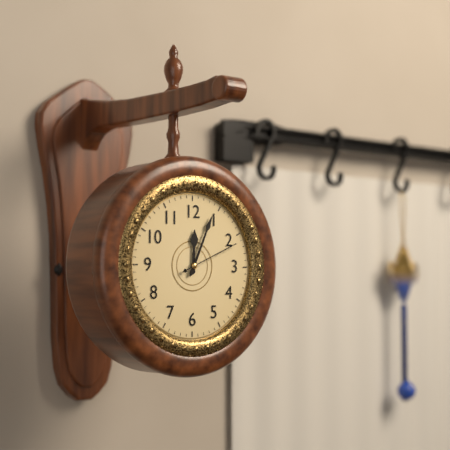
12h04m11s
